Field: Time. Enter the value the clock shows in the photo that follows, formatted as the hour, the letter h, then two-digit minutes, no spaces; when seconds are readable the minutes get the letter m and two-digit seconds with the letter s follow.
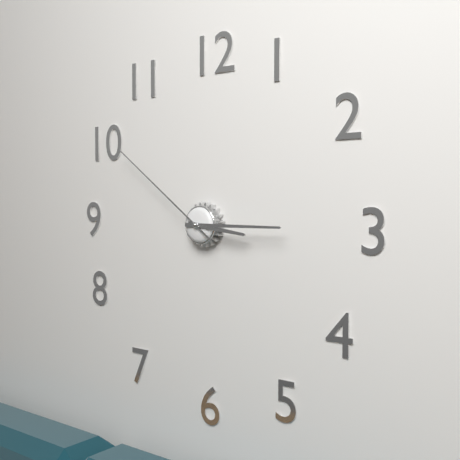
3h15m51s
